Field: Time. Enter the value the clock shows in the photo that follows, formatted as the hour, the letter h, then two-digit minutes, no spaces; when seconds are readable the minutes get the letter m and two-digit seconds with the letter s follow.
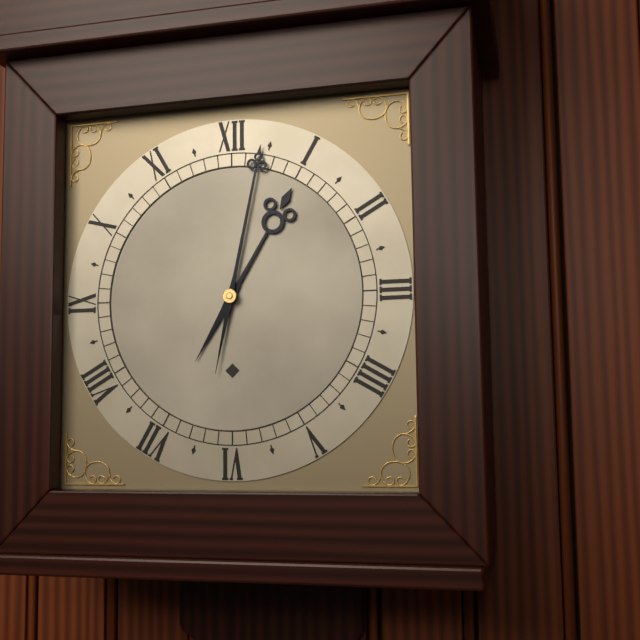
1h02
